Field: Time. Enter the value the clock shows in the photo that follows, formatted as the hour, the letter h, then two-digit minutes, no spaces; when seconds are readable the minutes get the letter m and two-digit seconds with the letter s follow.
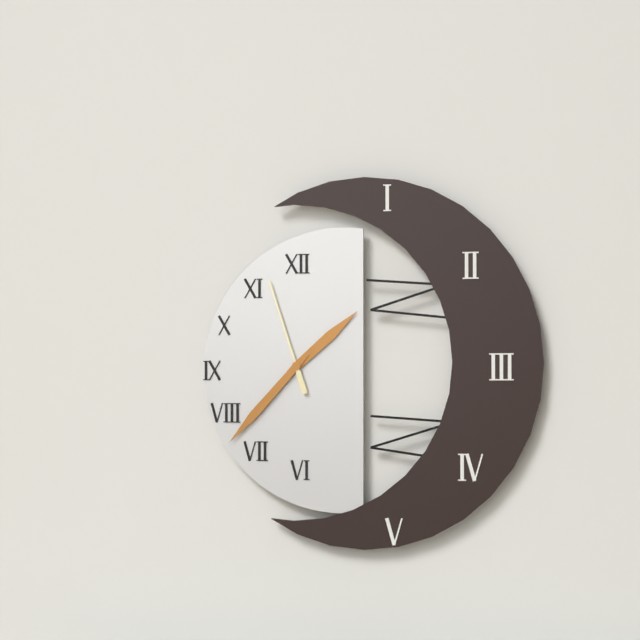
1h37m57s
